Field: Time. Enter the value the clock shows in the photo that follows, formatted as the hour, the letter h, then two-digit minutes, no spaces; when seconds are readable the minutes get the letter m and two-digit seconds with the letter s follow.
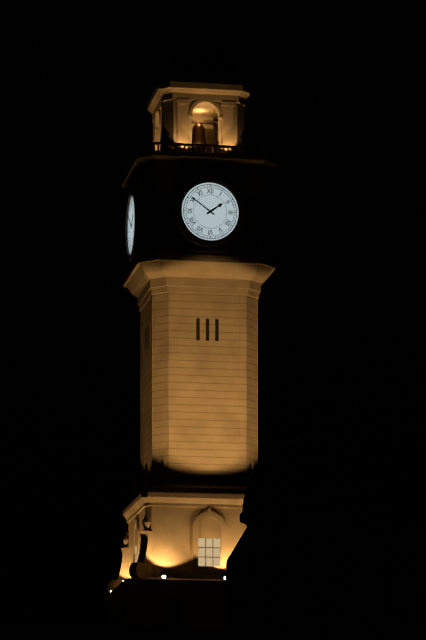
1h51
